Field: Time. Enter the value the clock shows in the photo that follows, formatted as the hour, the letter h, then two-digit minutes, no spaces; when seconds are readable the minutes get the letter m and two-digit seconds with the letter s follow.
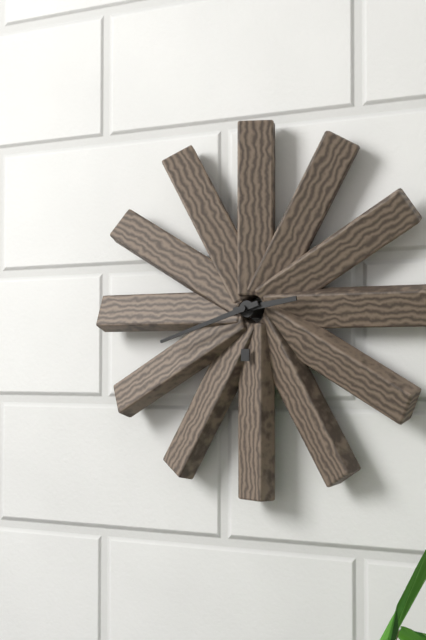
2h42
